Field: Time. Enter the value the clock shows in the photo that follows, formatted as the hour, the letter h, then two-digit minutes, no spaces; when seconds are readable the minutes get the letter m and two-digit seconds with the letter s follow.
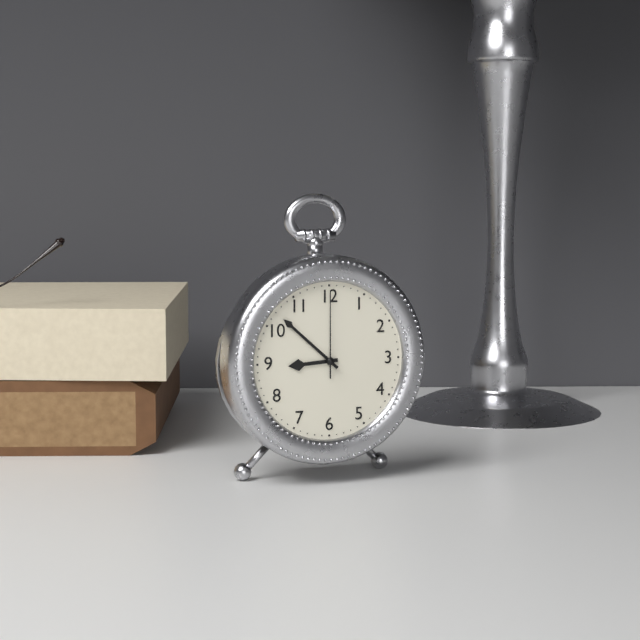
8h52m00s
